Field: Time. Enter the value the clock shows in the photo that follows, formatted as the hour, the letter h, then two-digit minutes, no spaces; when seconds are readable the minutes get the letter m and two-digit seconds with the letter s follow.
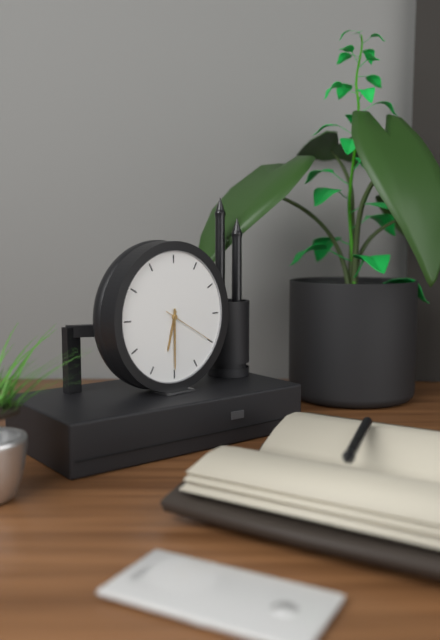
6h30m20s
